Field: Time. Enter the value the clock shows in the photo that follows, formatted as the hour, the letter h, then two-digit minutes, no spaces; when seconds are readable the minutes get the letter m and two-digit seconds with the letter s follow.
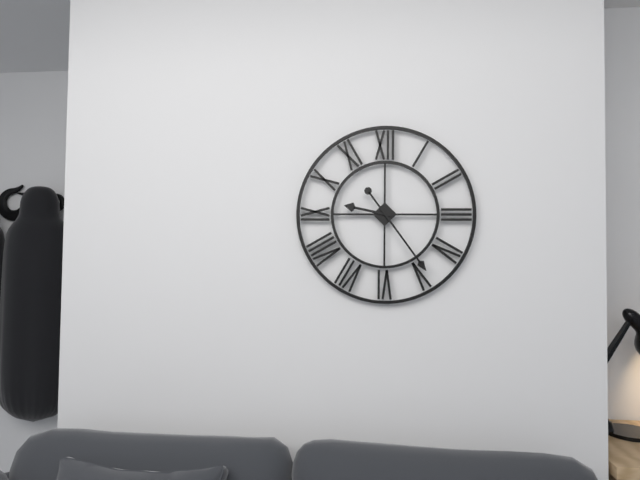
9h24
